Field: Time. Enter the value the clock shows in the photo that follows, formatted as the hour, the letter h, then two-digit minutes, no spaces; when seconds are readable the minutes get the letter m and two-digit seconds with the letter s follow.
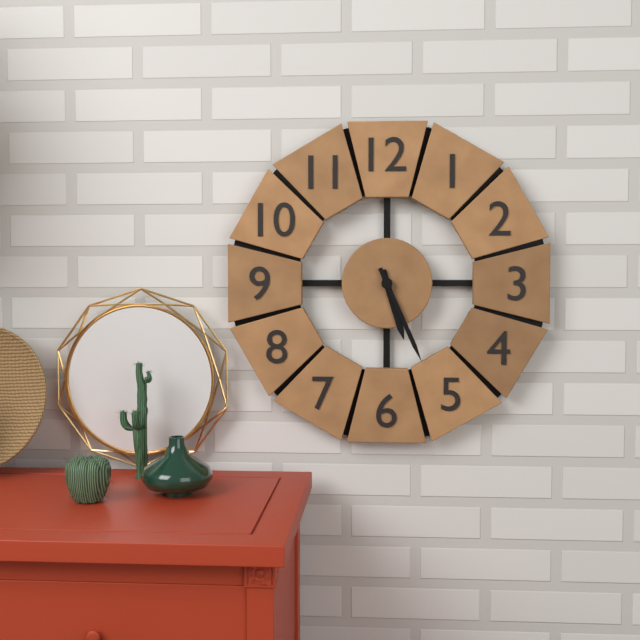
5h26
